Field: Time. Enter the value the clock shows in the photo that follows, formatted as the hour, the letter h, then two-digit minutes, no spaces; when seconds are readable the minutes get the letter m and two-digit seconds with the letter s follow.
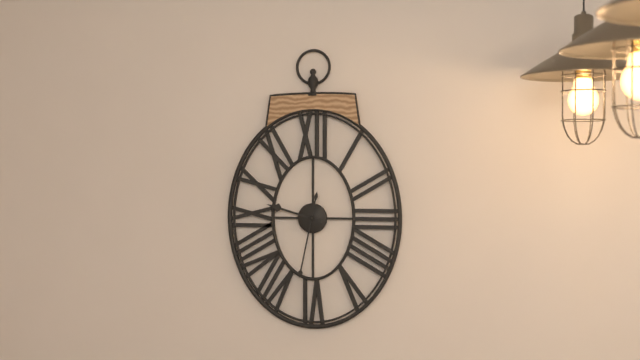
9h32
